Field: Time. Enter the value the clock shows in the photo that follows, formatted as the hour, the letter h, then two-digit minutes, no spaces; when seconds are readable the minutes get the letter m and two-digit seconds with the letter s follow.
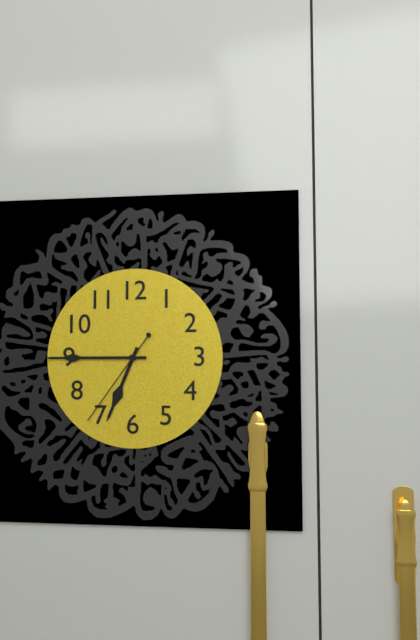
6h45m36s
